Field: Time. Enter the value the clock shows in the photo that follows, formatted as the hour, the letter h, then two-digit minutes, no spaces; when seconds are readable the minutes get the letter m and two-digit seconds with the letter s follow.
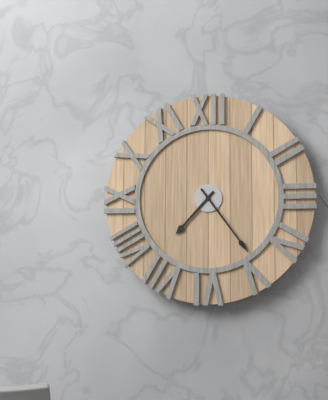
7h24
